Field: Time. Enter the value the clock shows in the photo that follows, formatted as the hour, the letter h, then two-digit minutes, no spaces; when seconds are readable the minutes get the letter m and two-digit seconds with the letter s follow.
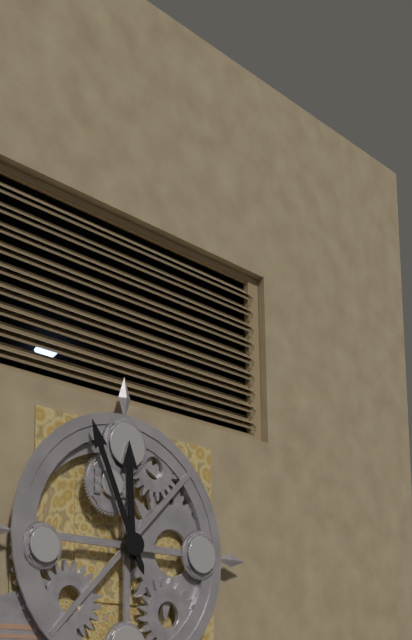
11h56
